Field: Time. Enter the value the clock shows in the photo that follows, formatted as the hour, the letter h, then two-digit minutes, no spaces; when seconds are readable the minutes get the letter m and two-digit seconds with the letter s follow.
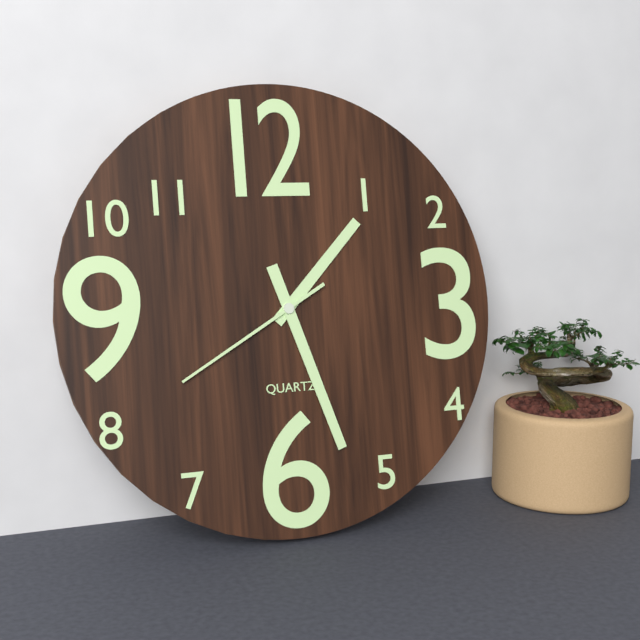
1h27m40s
